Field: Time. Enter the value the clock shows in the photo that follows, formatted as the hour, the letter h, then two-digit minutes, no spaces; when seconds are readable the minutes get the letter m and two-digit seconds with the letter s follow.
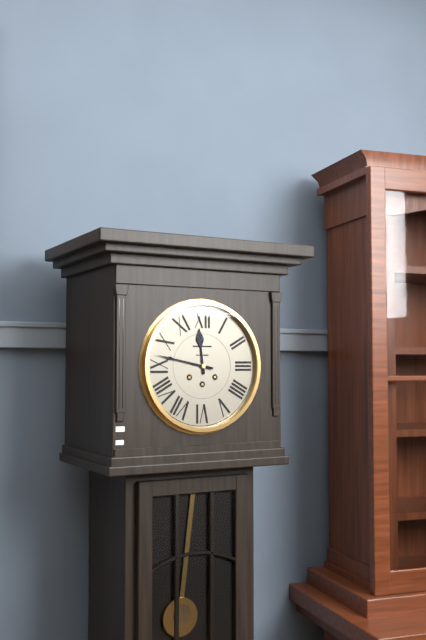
11h47
